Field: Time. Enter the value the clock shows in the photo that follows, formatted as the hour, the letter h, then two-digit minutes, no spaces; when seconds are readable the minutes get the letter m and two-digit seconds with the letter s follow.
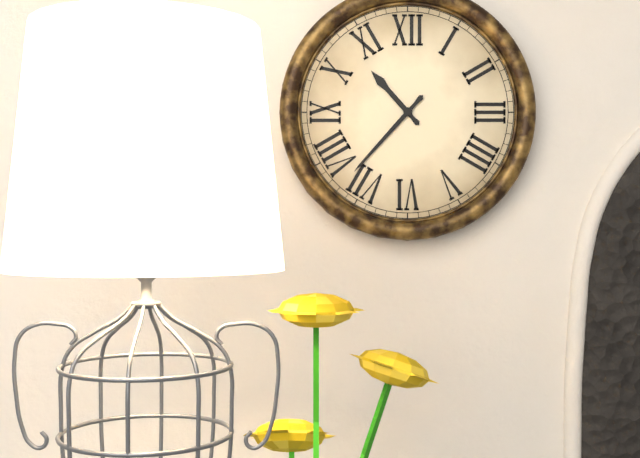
10h37
